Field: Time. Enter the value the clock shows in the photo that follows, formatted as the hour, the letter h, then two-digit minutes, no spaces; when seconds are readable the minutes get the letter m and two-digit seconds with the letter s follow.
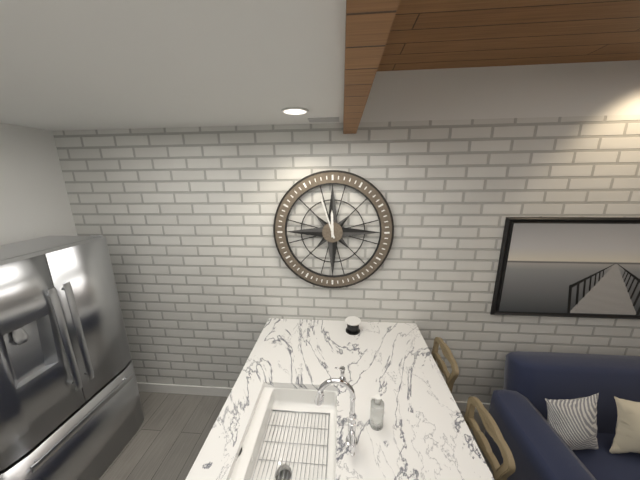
11h57
